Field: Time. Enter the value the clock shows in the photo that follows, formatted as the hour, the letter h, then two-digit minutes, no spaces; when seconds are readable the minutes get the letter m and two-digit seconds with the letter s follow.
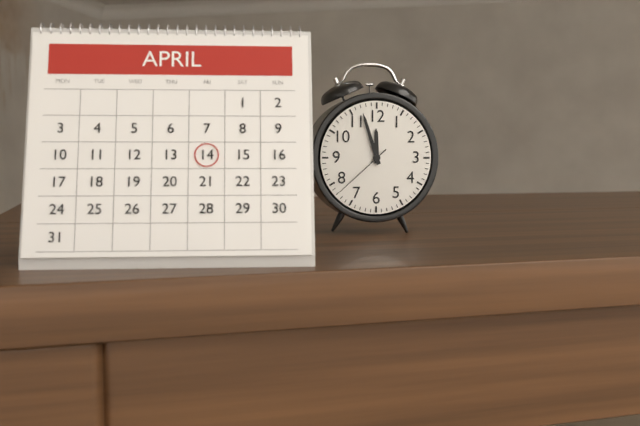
11h57m38s
